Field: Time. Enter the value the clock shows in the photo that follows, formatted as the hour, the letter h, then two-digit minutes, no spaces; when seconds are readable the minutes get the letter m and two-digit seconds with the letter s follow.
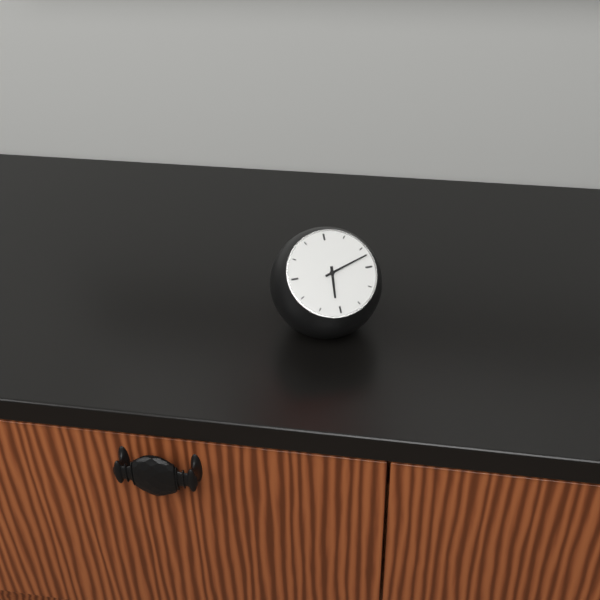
6h12
